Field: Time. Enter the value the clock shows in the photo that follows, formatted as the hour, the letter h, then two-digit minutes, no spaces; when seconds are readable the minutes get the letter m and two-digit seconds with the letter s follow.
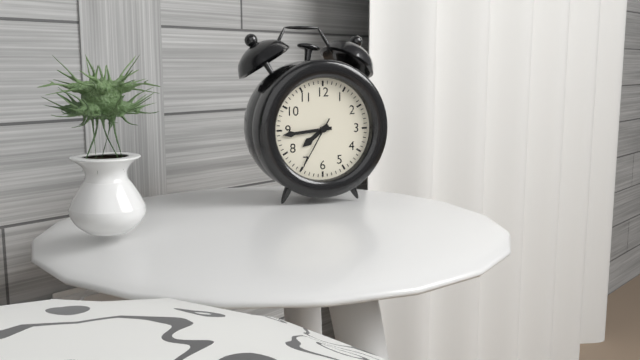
7h44m35s
